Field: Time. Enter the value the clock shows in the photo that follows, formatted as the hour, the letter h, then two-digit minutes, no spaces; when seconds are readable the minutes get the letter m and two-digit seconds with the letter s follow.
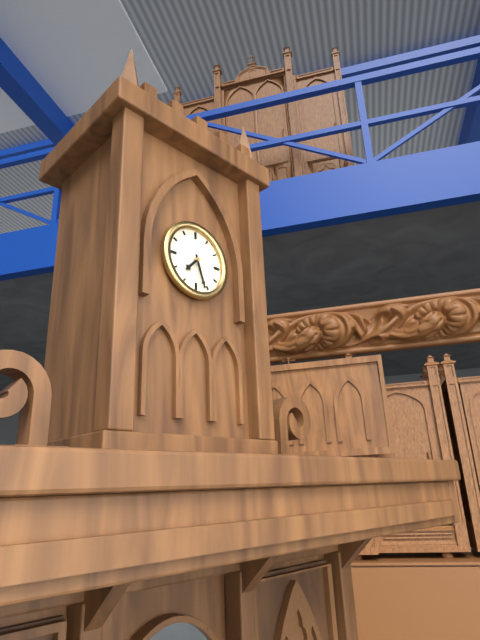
7h27
